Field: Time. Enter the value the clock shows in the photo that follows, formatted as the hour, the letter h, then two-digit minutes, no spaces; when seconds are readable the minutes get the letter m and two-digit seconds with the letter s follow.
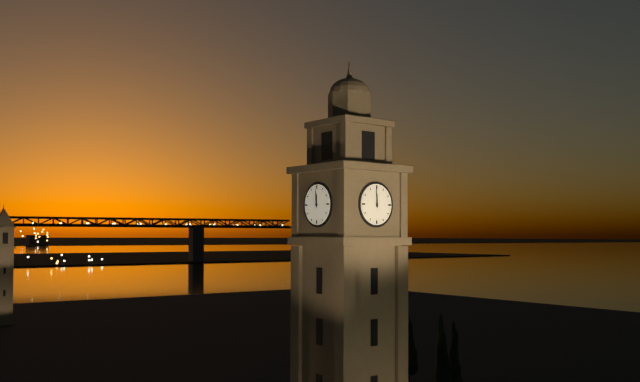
11h59
